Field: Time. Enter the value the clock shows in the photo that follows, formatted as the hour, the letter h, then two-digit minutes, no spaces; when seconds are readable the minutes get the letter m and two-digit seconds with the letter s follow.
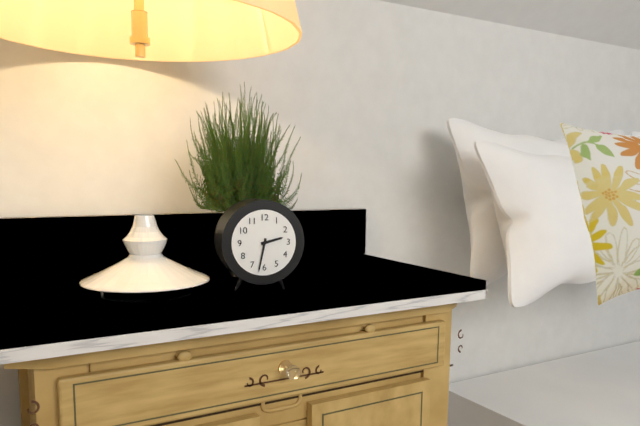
2h32
